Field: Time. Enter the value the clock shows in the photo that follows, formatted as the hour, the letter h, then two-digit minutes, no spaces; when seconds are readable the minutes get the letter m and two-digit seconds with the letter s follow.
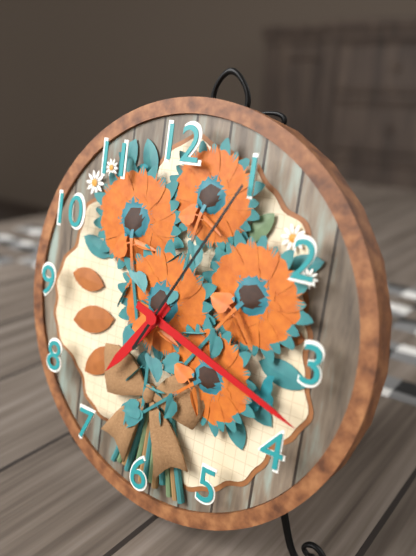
7h18m05s
